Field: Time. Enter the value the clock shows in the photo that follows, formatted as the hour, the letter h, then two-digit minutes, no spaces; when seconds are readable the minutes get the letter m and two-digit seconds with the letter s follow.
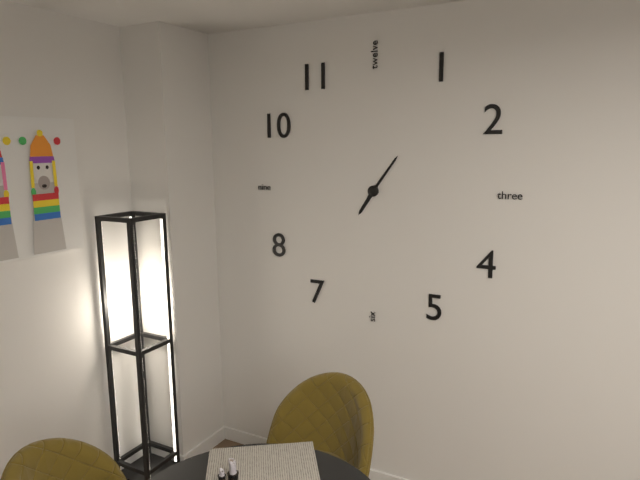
7h06
